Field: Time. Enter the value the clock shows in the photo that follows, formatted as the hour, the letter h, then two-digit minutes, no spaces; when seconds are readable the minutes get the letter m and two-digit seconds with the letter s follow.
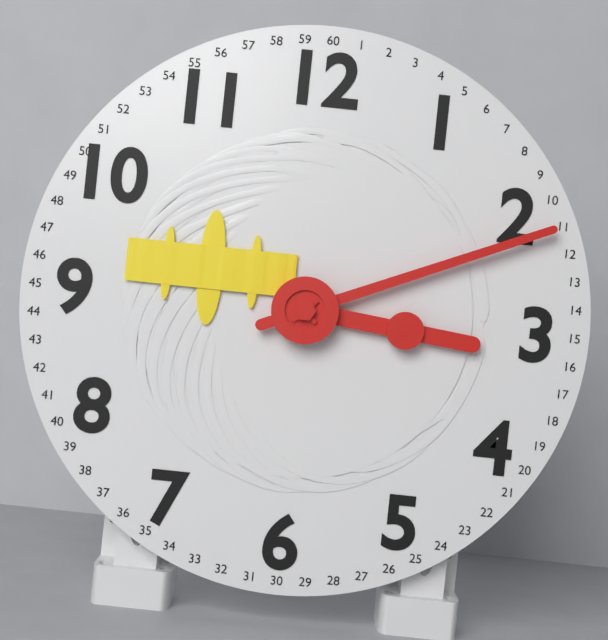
3h11
